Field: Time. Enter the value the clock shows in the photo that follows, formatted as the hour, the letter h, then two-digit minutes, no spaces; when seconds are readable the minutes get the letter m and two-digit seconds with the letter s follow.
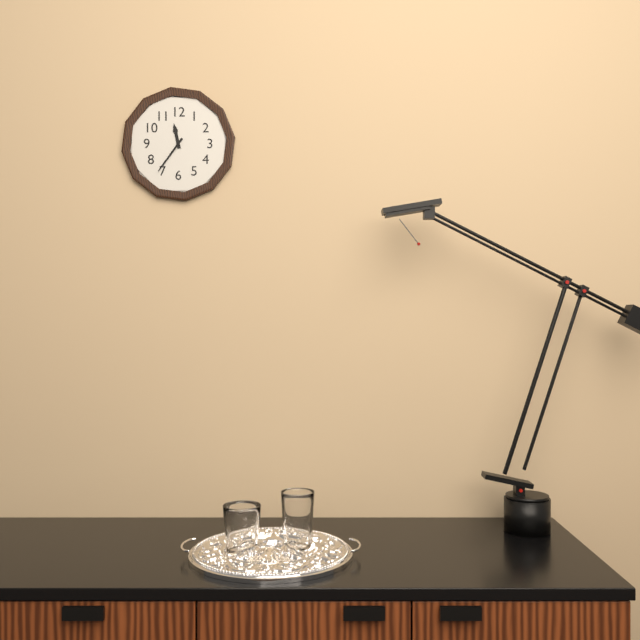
11h36
